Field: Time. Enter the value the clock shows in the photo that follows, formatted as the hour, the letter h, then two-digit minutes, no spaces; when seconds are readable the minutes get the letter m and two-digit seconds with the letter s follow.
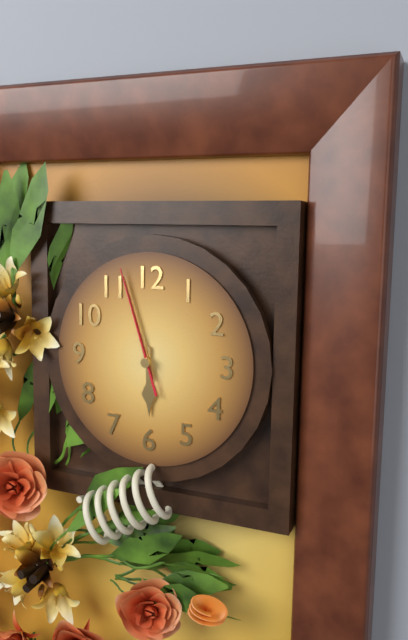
5h57m57s
